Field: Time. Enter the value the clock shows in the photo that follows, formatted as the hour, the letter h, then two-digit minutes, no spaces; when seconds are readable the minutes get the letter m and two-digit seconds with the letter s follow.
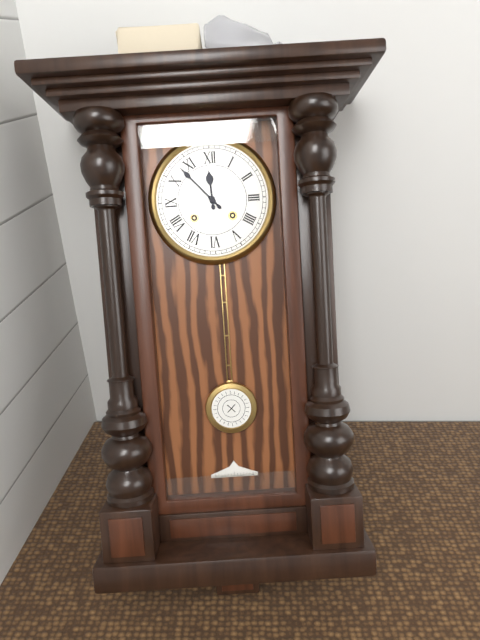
11h53
